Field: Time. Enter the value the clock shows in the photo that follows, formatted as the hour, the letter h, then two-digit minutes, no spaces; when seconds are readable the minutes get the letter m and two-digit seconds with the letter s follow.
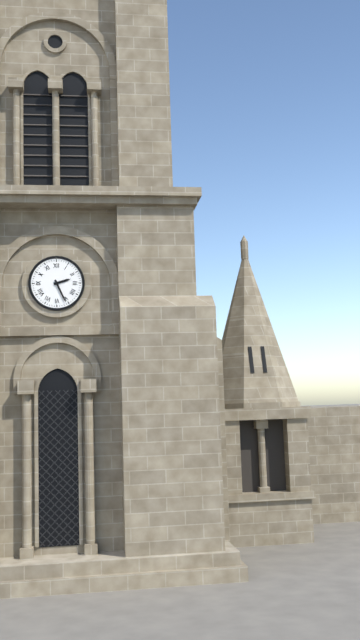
2h26
